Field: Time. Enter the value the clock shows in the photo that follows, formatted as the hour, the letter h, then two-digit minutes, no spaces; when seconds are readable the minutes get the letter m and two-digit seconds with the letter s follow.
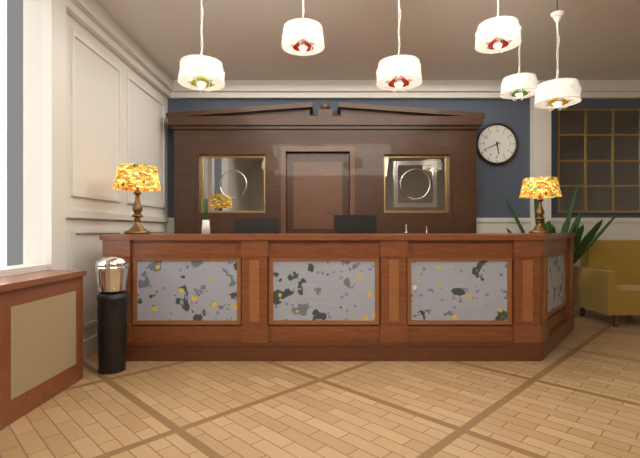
5h41
